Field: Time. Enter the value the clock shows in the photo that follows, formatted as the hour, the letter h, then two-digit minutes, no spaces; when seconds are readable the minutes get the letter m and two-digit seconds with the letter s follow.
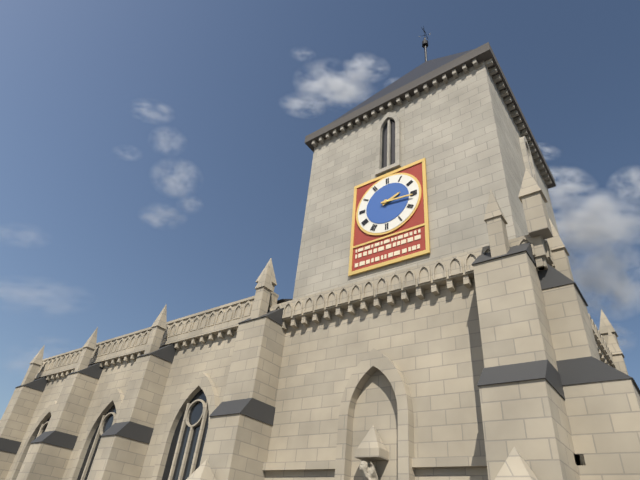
2h16
